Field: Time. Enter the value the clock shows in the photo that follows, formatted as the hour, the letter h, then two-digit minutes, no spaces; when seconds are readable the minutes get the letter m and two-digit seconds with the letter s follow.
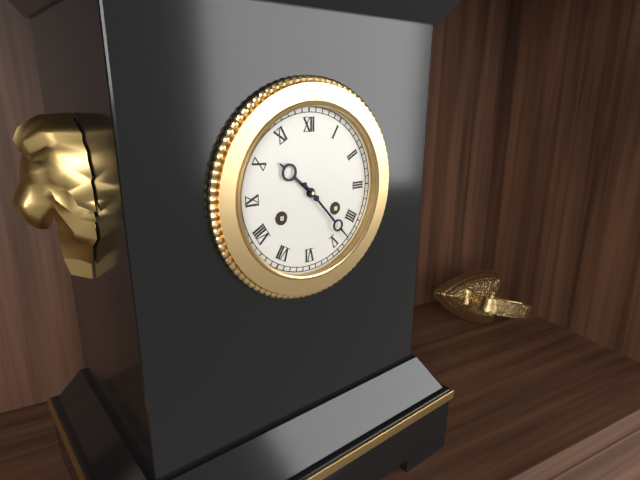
10h23
